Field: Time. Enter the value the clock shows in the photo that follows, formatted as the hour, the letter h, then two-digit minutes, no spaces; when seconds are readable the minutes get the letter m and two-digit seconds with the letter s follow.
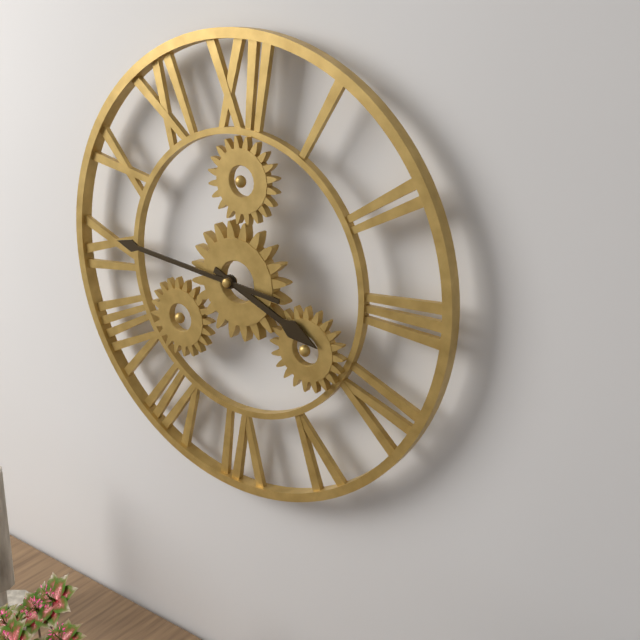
3h46
